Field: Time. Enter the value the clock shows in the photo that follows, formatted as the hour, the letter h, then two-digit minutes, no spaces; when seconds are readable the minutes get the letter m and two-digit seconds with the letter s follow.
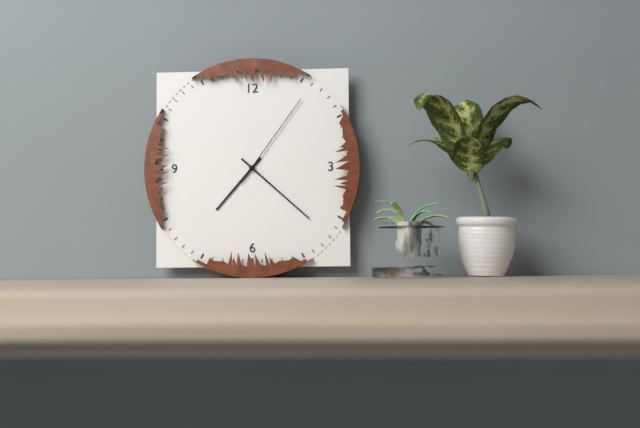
7h22m06s
